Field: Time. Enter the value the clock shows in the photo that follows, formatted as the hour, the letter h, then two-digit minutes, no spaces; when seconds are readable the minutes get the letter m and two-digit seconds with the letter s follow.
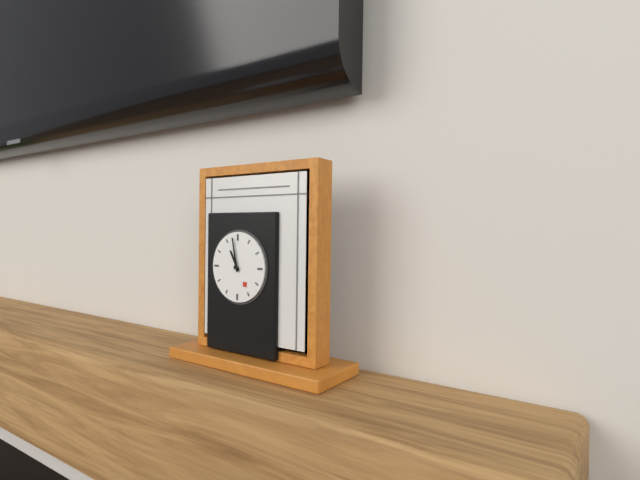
10h58
